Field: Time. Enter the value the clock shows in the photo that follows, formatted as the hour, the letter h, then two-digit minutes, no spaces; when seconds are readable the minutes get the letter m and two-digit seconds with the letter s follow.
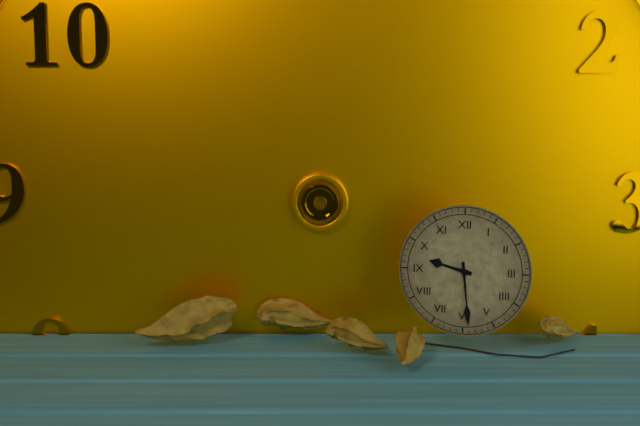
9h29
